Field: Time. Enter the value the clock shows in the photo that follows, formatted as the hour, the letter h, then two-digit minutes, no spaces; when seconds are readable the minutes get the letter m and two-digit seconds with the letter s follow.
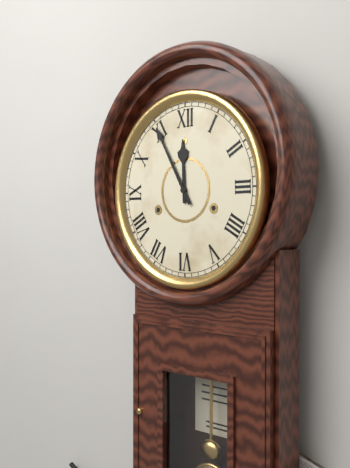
11h55
